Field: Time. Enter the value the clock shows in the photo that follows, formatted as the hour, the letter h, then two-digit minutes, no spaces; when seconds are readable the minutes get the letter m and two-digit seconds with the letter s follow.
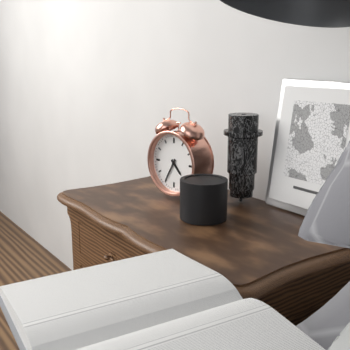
4h35
